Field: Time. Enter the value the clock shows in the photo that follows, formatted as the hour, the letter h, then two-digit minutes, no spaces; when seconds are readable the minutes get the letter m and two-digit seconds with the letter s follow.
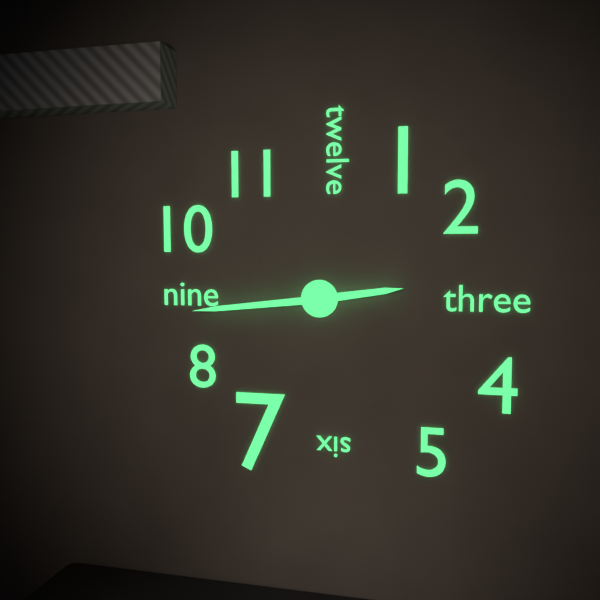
2h44
